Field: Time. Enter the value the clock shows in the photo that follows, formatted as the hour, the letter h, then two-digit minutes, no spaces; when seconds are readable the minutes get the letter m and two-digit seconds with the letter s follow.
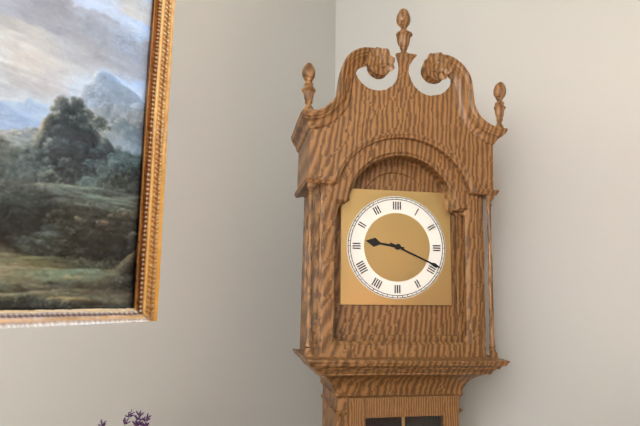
9h19
